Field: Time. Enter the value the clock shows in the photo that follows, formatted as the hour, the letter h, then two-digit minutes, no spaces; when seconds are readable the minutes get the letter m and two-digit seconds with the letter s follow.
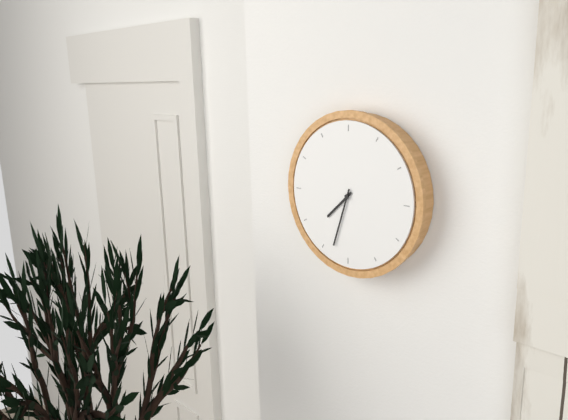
7h33
